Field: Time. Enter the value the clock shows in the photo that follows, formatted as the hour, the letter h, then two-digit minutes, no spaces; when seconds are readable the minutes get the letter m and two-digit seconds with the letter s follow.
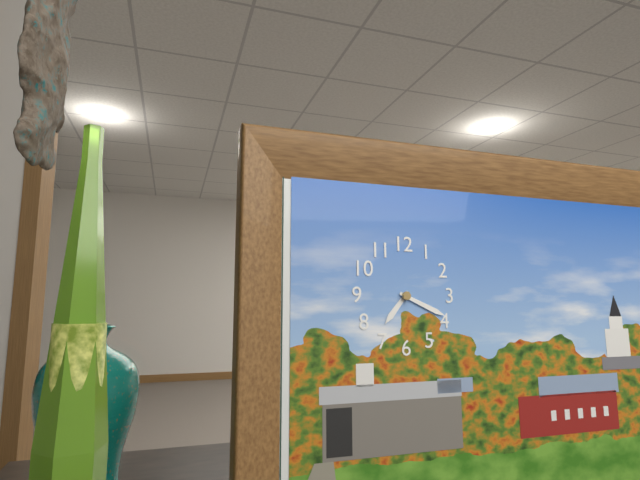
7h19
